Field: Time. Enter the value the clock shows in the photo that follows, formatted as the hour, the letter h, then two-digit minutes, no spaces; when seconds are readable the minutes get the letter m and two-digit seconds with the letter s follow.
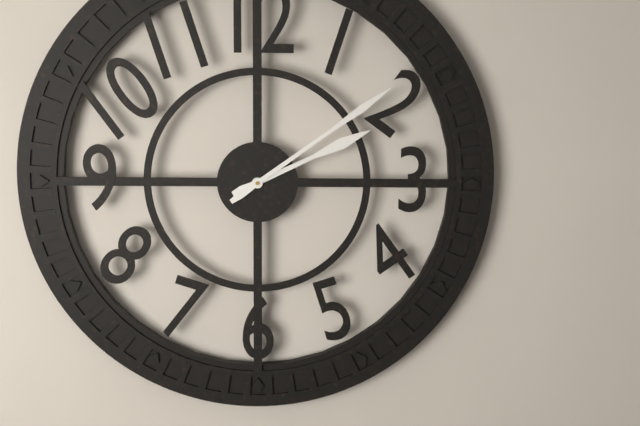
2h09
